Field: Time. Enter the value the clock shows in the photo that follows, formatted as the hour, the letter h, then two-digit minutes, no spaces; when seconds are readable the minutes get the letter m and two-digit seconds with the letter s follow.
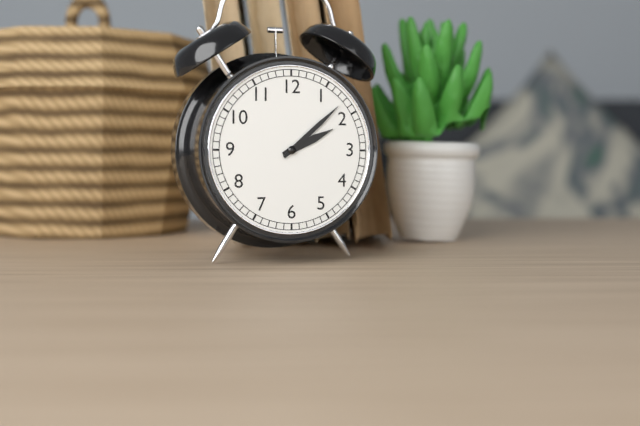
2h08
